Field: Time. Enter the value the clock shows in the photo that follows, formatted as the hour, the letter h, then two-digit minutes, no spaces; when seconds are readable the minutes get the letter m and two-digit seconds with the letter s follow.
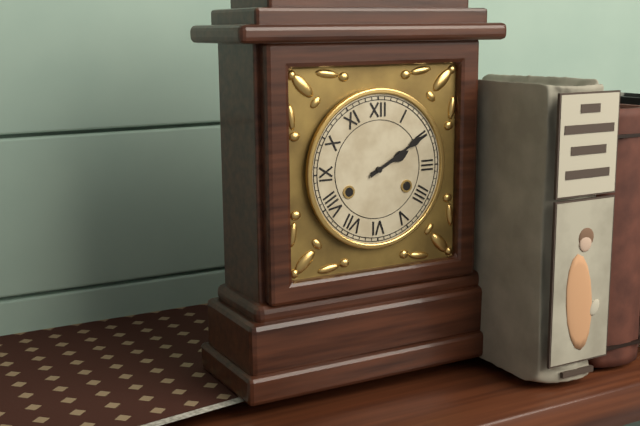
2h10
